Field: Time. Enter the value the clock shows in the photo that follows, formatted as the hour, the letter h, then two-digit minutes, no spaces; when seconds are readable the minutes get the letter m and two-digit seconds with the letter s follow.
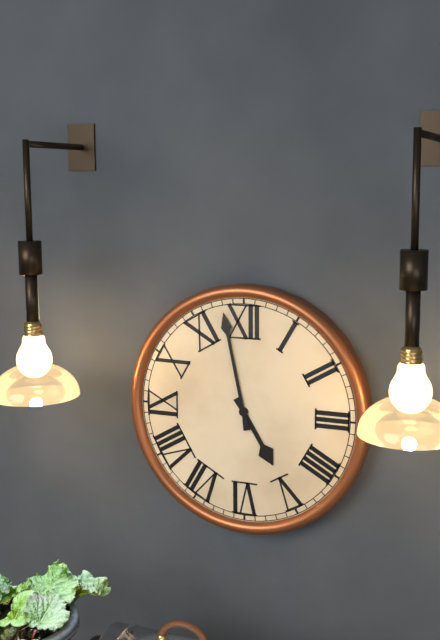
4h58
